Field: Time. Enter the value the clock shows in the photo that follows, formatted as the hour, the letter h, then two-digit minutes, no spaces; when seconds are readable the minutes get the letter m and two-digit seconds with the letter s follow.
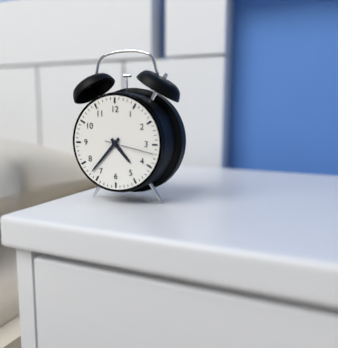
4h37
